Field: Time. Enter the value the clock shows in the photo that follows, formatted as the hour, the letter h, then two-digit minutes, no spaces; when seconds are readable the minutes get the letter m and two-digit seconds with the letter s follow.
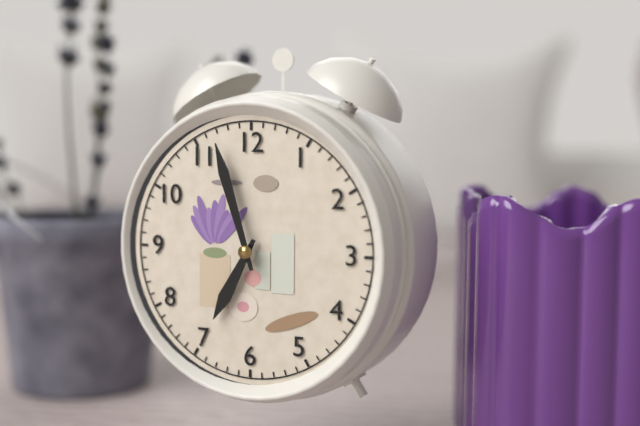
6h57
